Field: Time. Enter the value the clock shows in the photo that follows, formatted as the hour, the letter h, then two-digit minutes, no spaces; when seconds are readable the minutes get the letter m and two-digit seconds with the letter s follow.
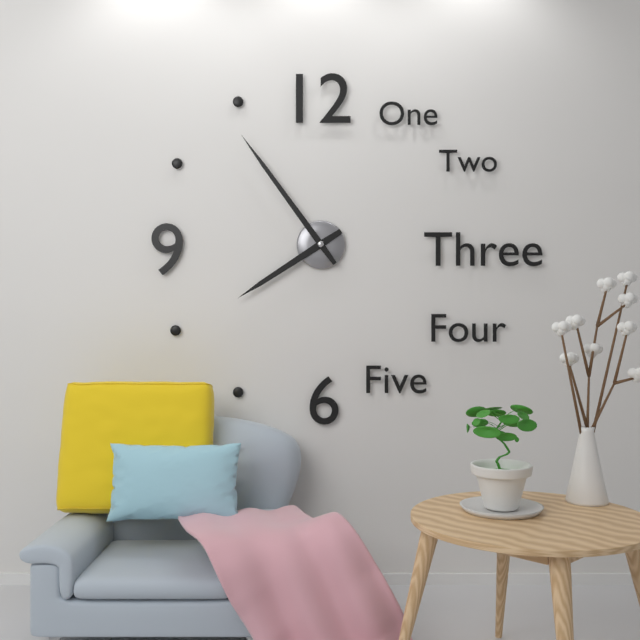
7h54
